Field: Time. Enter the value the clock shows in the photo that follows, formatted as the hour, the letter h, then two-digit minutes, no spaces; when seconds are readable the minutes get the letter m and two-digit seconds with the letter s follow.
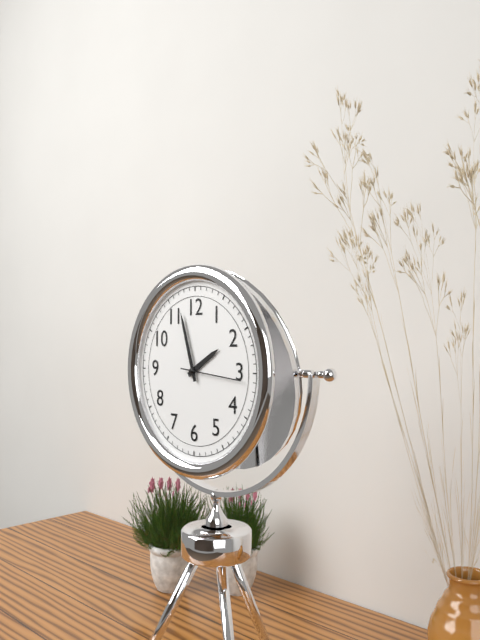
1h57m16s
